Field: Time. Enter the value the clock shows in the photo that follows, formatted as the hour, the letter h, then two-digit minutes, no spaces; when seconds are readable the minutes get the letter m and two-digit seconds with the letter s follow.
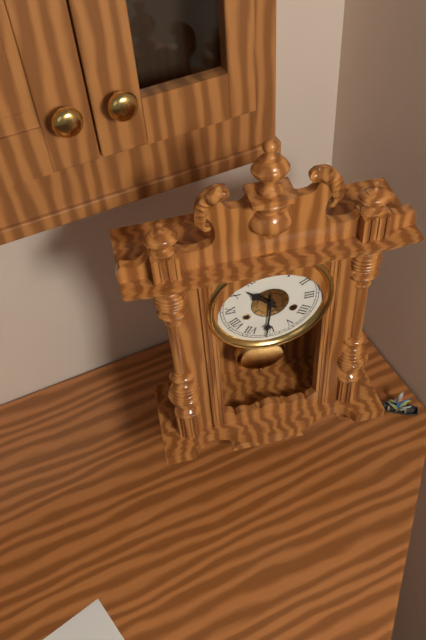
10h31
